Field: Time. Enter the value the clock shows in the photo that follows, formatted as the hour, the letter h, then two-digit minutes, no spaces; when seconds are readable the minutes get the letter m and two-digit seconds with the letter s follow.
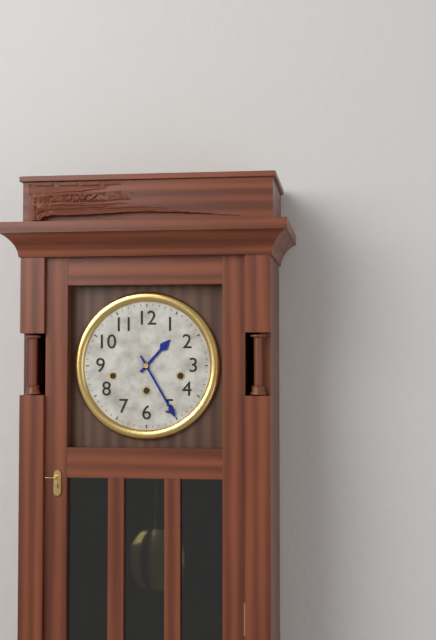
1h25
